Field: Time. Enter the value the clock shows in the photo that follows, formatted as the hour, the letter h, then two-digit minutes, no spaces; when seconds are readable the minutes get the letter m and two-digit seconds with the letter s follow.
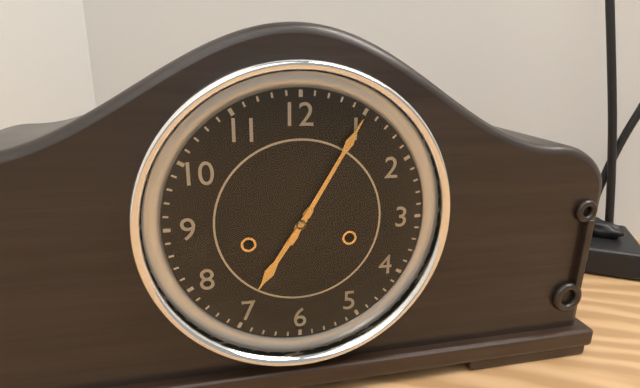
7h05
